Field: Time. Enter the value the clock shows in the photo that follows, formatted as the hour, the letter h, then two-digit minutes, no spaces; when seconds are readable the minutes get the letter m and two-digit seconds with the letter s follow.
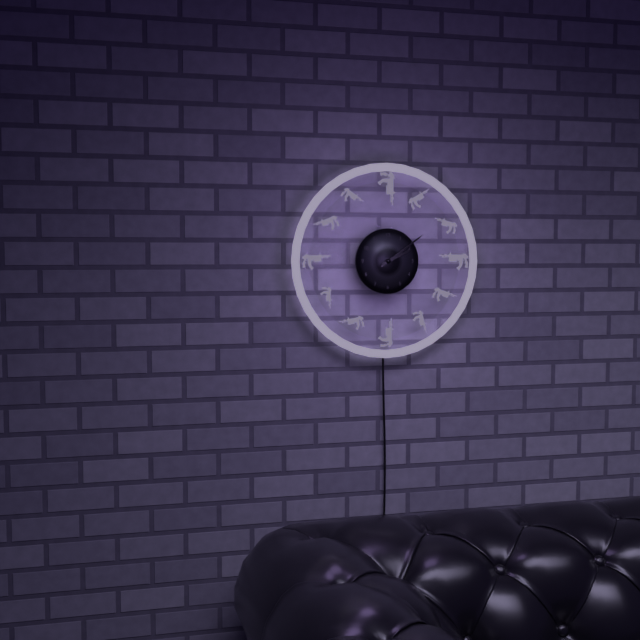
2h09
